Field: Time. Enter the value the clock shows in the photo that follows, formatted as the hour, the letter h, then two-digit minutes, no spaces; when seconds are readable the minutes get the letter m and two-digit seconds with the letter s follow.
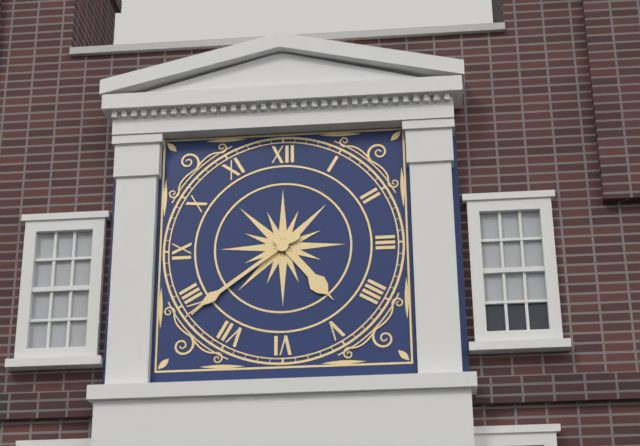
4h39
